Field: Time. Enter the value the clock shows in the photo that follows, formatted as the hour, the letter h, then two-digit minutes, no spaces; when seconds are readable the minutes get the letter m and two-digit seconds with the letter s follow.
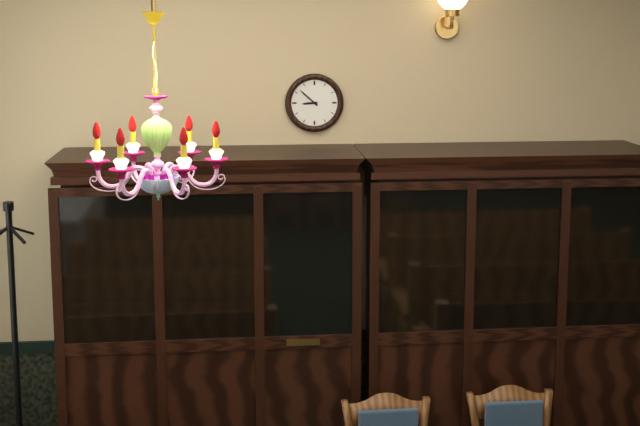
8h52
